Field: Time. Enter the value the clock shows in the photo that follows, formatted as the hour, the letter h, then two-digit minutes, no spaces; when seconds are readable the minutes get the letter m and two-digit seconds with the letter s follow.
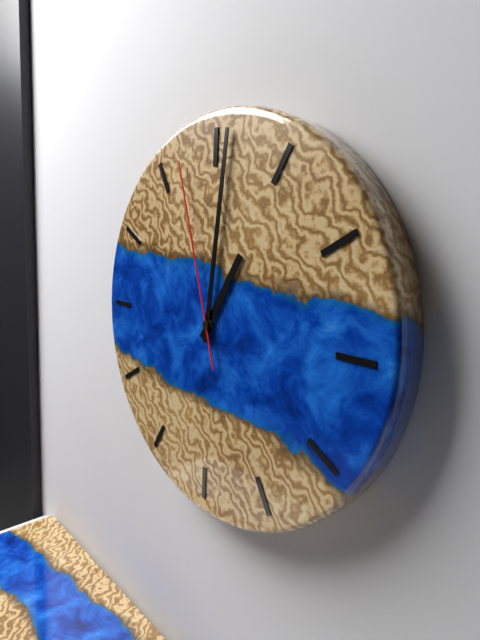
1h01m57s
